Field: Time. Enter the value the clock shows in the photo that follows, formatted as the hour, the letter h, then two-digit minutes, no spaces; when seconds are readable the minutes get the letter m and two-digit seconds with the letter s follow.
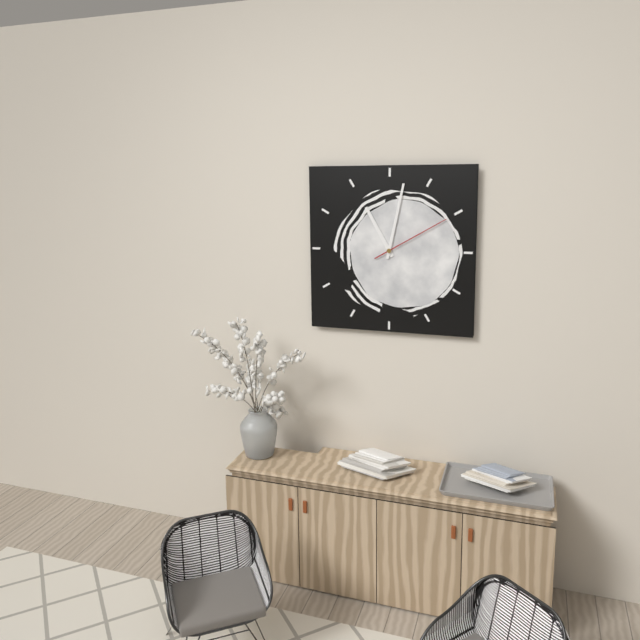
11h02m10s
